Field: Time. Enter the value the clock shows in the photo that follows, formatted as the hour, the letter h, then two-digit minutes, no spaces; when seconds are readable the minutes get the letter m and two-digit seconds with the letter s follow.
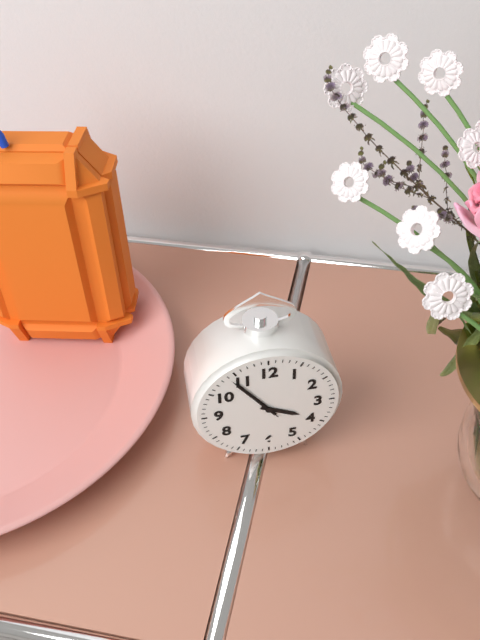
3h54m54s
